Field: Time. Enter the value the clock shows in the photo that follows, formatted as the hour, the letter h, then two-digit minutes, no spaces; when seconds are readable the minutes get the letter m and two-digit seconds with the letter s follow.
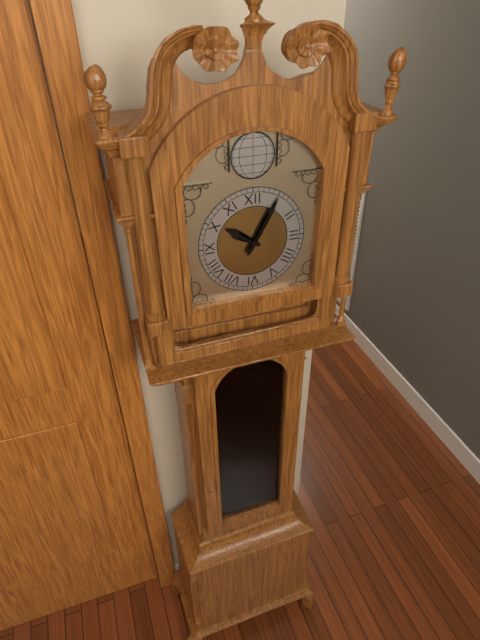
10h05
